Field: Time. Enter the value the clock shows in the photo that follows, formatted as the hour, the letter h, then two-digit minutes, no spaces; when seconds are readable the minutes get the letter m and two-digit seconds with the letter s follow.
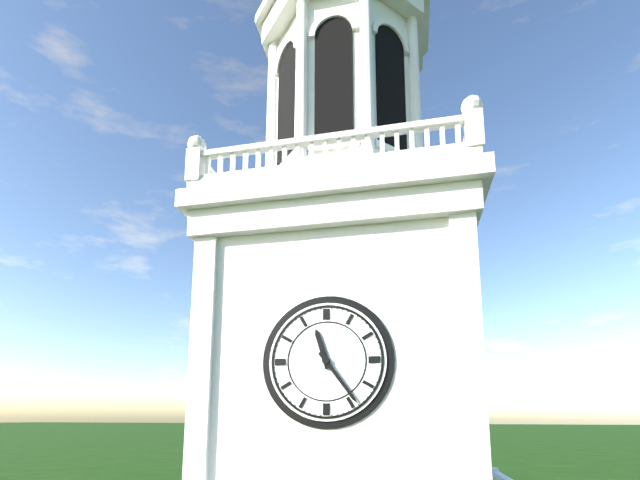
11h24
